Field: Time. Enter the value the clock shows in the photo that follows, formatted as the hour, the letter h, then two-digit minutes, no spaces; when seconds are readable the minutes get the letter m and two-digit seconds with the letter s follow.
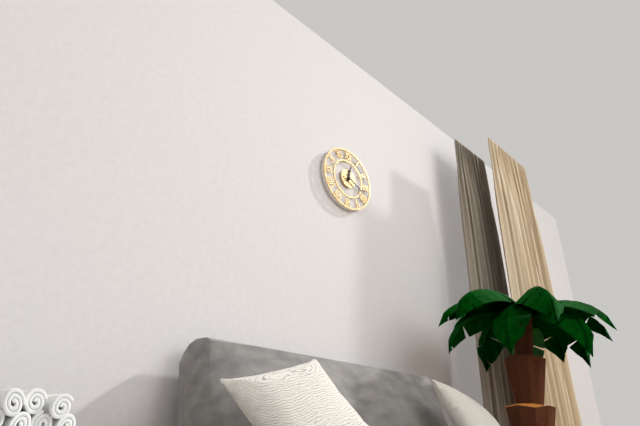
12h19
